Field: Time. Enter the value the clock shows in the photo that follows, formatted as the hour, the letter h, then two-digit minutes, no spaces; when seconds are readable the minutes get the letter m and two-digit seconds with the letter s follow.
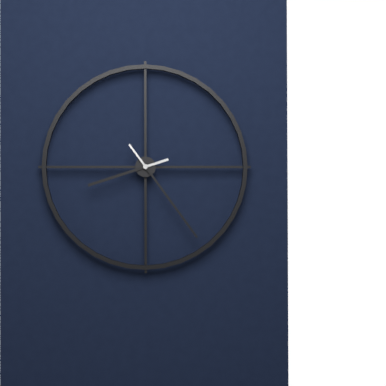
8h24
